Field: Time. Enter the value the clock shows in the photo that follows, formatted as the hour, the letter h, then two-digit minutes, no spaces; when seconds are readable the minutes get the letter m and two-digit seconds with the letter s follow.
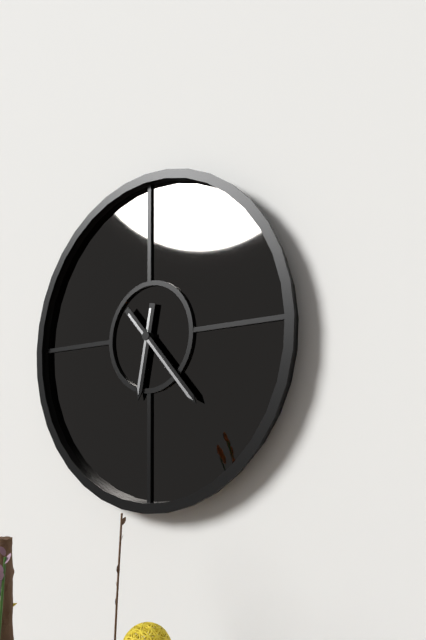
6h23
